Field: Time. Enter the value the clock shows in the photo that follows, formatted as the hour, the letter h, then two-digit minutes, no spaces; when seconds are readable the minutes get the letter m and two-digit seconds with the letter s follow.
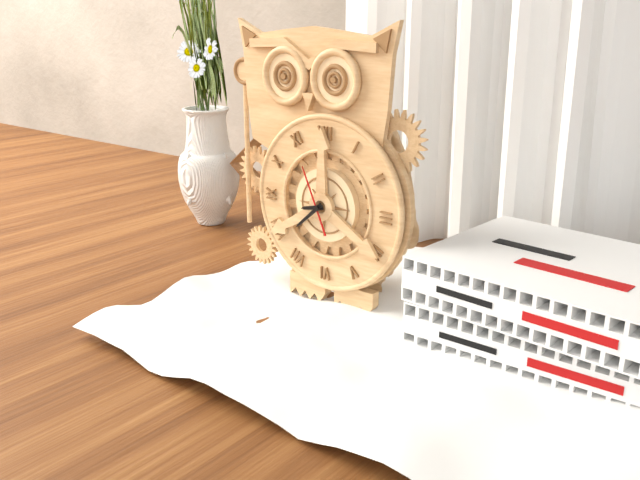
8h38m56s
